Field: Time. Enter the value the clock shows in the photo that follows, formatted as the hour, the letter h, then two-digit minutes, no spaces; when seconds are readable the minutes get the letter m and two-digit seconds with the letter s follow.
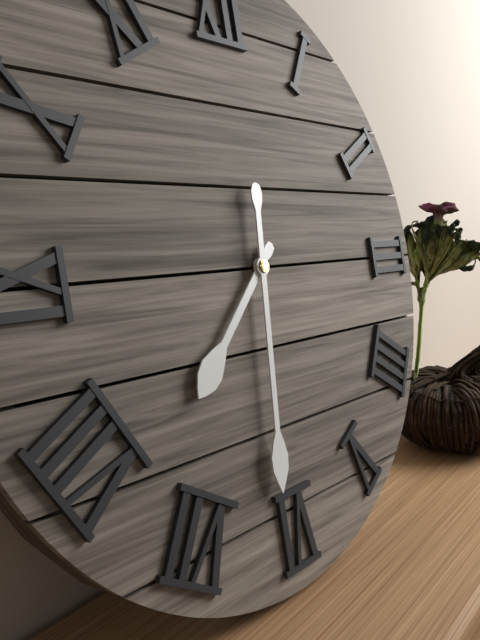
7h31
